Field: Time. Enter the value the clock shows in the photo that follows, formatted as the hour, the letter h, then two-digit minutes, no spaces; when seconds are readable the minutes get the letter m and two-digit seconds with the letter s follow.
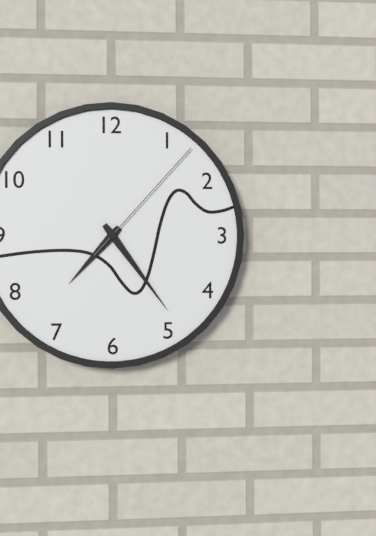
7h24m07s
